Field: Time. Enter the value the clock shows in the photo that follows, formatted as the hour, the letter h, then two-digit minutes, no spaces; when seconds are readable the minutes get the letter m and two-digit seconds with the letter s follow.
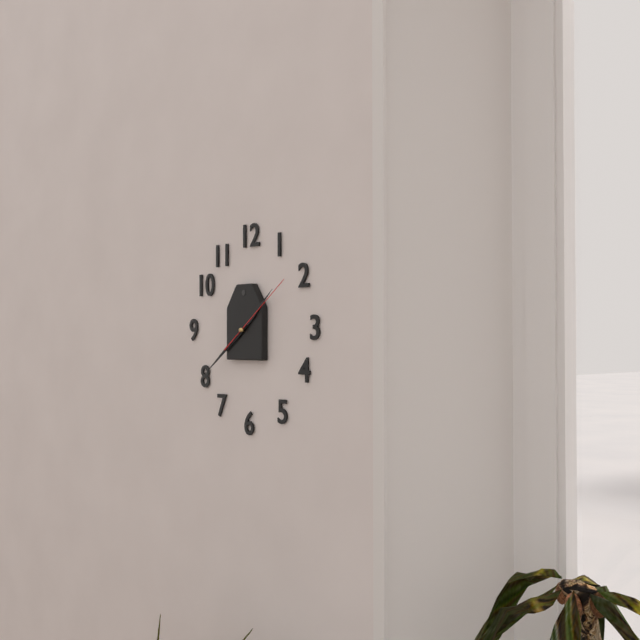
1h39m09s
